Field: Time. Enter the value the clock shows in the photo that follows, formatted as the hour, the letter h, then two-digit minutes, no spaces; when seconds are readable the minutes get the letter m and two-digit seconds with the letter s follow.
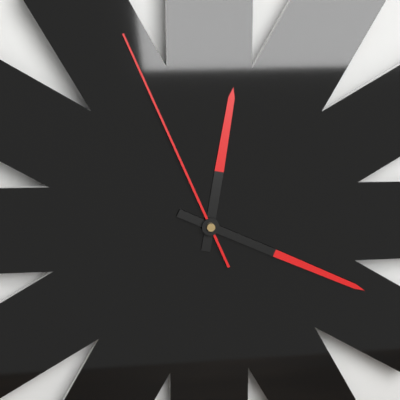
12h19m56s
